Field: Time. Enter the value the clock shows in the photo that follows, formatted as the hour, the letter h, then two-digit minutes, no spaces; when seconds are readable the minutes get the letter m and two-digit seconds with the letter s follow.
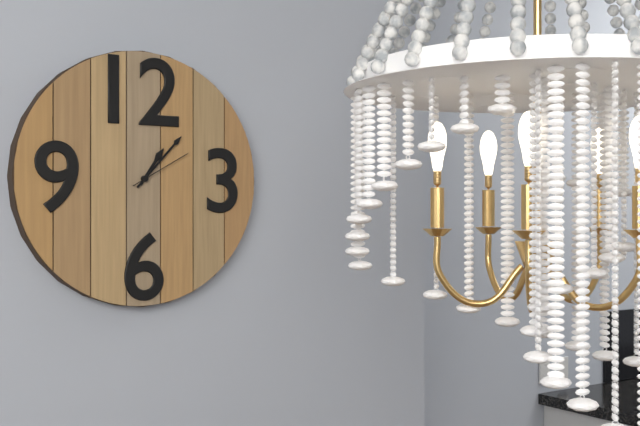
1h07m10s
